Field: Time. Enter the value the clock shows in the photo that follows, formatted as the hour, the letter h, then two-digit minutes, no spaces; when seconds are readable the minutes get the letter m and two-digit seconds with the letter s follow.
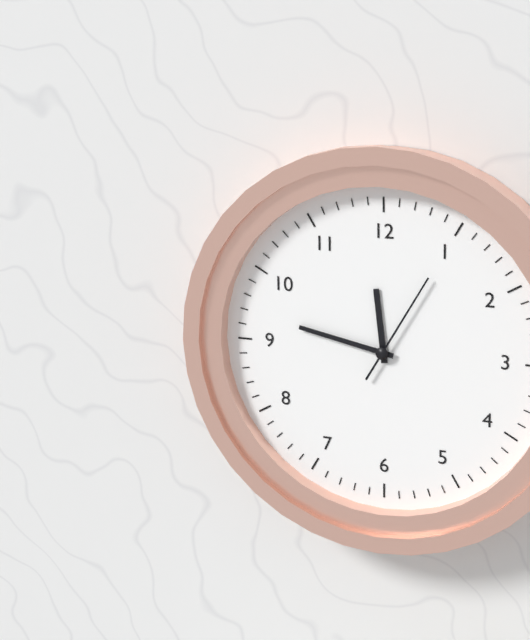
11h47m05s
